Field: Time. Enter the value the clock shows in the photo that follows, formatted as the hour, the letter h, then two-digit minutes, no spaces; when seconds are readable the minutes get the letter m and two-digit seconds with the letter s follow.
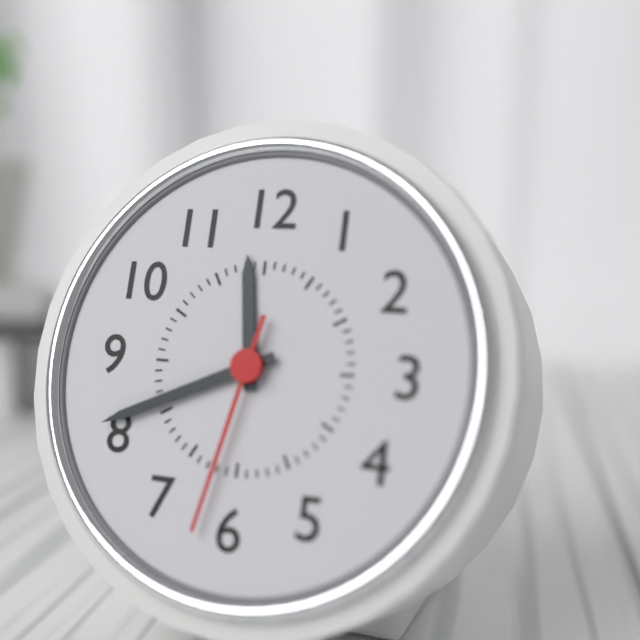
11h41m32s
